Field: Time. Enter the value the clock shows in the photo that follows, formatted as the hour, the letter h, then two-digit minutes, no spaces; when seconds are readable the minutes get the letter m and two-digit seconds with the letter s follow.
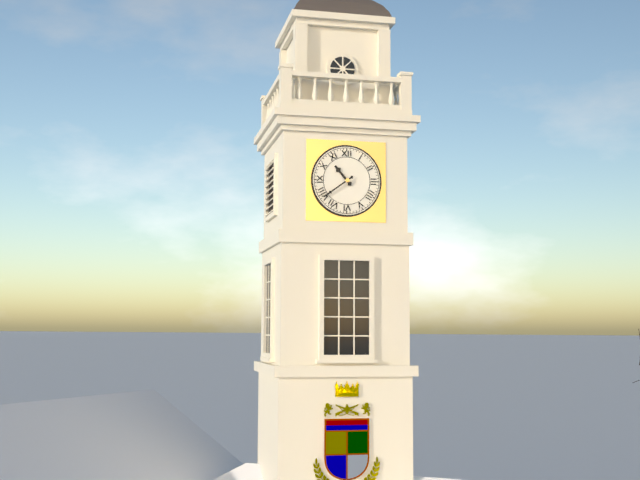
10h39
